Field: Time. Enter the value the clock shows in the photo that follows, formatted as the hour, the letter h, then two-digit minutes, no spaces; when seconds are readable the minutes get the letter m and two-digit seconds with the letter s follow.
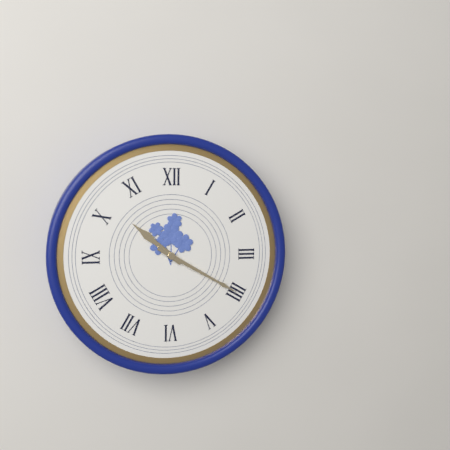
10h20
